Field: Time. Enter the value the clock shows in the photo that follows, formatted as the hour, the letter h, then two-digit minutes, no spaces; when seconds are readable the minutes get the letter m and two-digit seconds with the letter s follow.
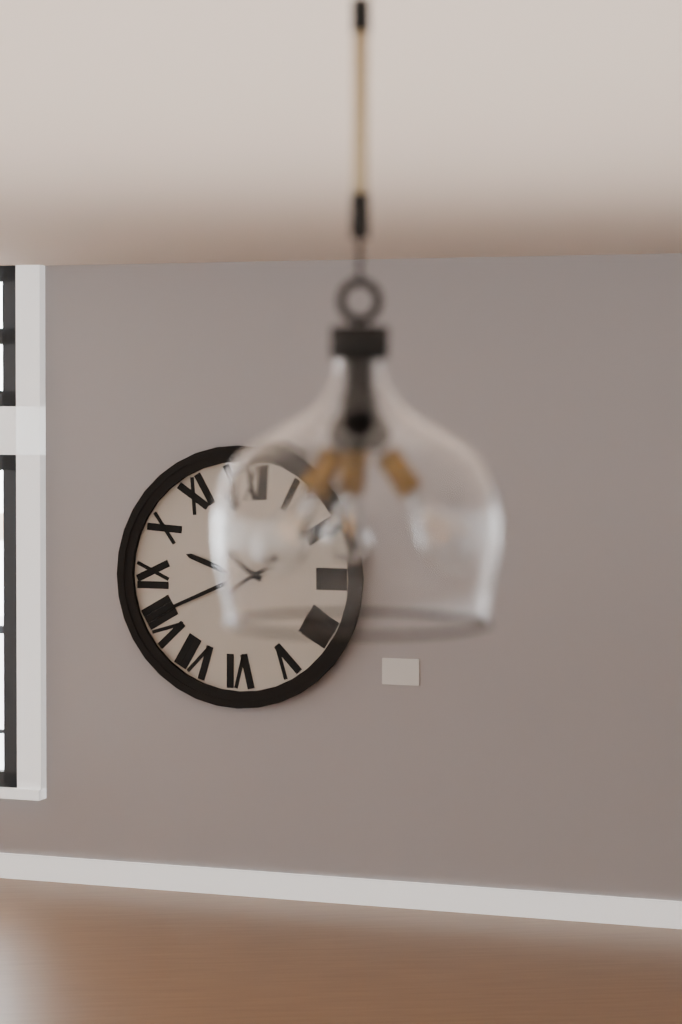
9h41
